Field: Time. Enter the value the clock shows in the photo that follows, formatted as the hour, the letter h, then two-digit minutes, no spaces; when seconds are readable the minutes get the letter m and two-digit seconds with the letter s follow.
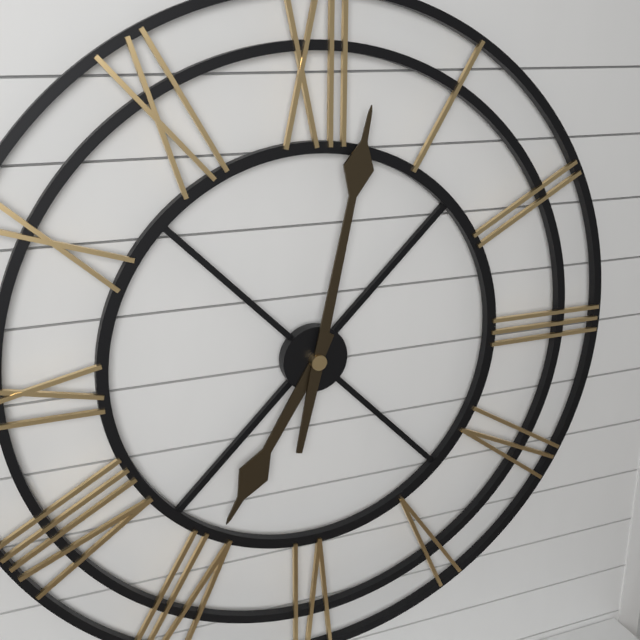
7h02
